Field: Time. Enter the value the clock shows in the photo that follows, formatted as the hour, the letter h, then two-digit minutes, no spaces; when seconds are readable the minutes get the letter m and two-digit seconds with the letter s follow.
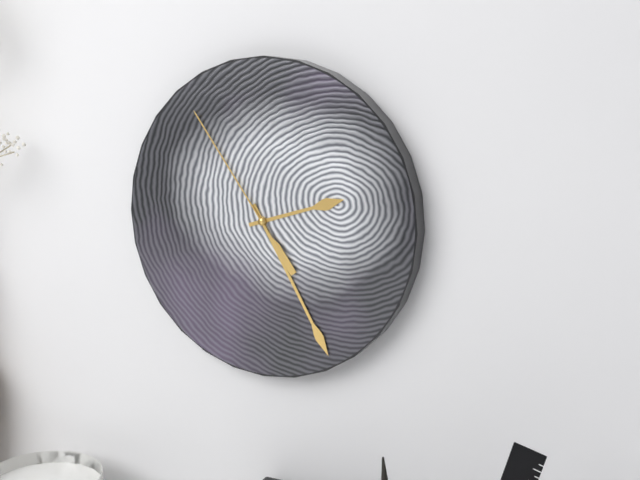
2h25m54s
